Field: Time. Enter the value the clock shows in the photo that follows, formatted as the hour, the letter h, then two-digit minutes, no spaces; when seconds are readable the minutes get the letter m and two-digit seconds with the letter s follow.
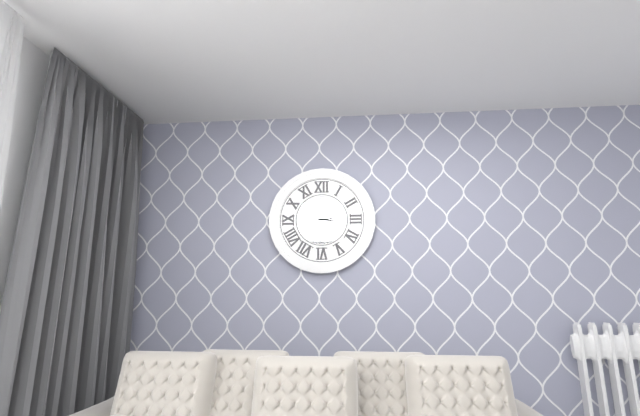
3h14
